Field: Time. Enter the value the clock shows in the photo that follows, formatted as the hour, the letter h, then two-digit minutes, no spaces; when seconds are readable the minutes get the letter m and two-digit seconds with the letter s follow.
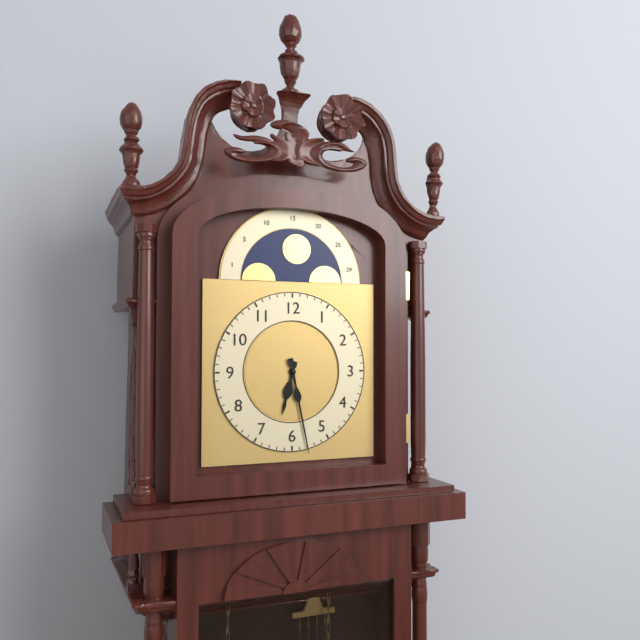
6h28
